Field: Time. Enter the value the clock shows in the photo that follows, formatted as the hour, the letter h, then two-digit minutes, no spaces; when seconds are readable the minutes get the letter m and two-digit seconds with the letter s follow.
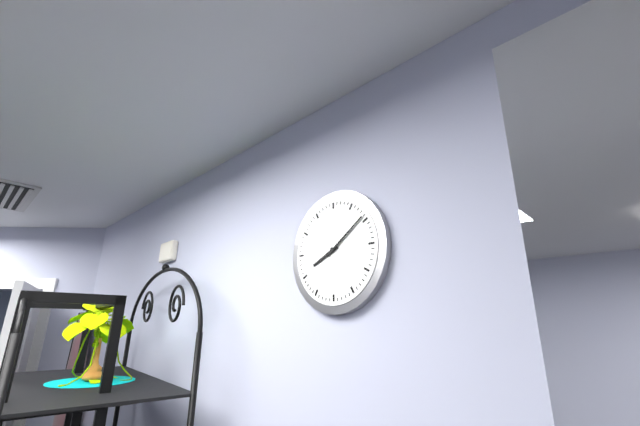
8h09
